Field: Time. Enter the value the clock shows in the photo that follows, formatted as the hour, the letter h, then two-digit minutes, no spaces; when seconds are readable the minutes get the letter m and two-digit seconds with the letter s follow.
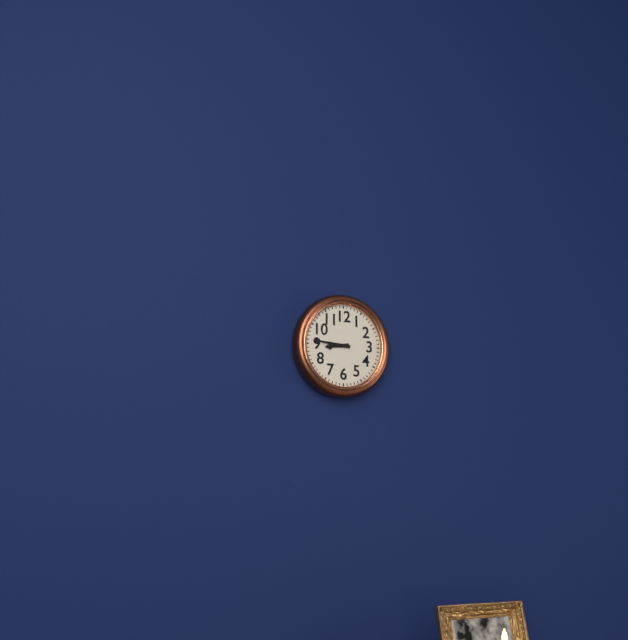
8h46
